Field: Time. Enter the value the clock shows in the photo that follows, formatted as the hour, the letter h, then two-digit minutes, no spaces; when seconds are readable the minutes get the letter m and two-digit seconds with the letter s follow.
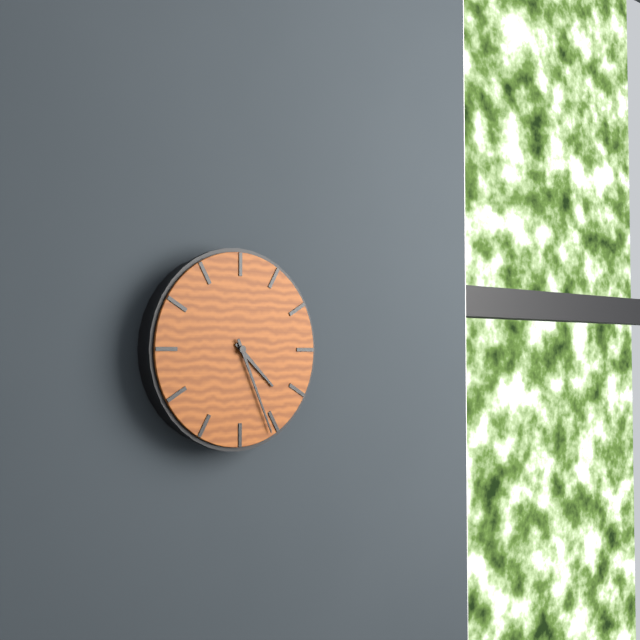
4h26
